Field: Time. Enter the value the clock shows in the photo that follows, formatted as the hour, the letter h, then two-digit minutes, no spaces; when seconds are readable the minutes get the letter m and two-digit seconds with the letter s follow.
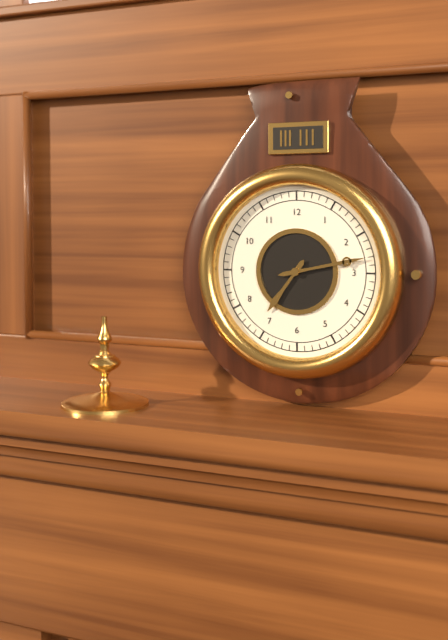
7h13
